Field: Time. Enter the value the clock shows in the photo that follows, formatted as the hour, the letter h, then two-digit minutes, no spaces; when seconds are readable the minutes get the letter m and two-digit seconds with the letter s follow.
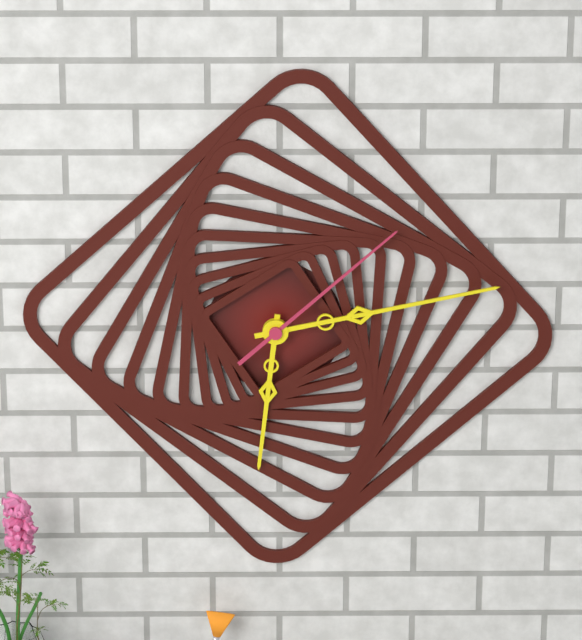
6h13m08s
